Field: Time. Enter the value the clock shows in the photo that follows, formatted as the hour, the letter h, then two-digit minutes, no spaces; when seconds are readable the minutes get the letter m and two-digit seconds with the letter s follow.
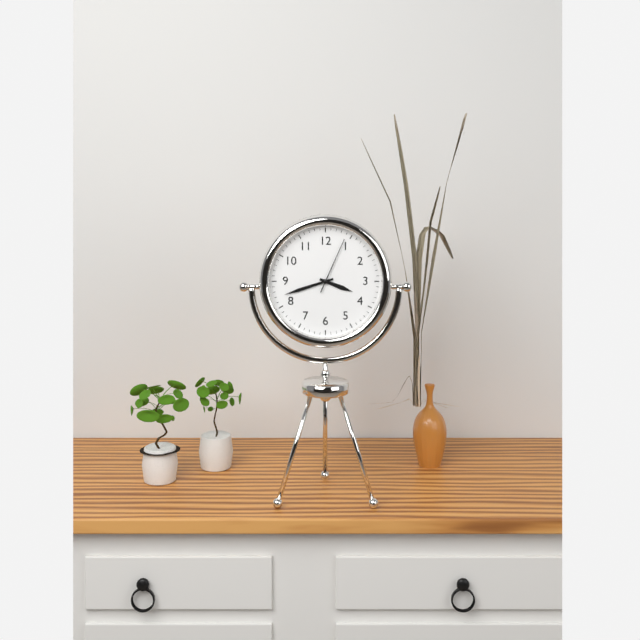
3h42m04s
